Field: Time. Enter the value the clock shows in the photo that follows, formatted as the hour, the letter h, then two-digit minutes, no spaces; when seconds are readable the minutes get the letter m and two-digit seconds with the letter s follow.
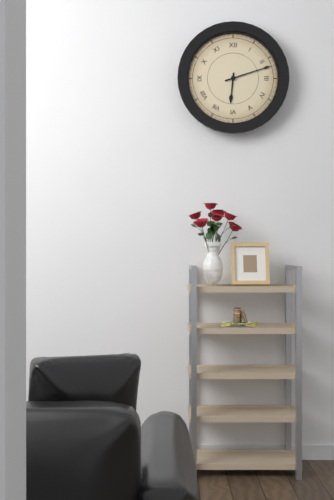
6h12
